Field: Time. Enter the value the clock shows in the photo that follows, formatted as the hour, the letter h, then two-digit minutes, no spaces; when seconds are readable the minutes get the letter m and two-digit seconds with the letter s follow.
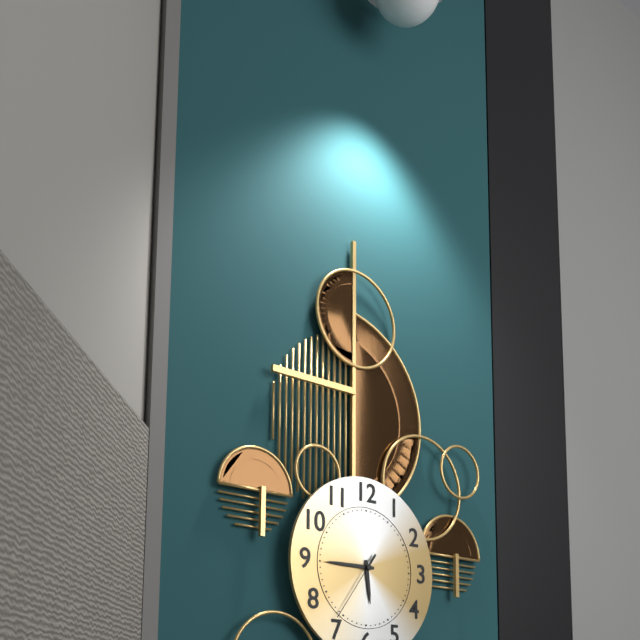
5h45m36s
